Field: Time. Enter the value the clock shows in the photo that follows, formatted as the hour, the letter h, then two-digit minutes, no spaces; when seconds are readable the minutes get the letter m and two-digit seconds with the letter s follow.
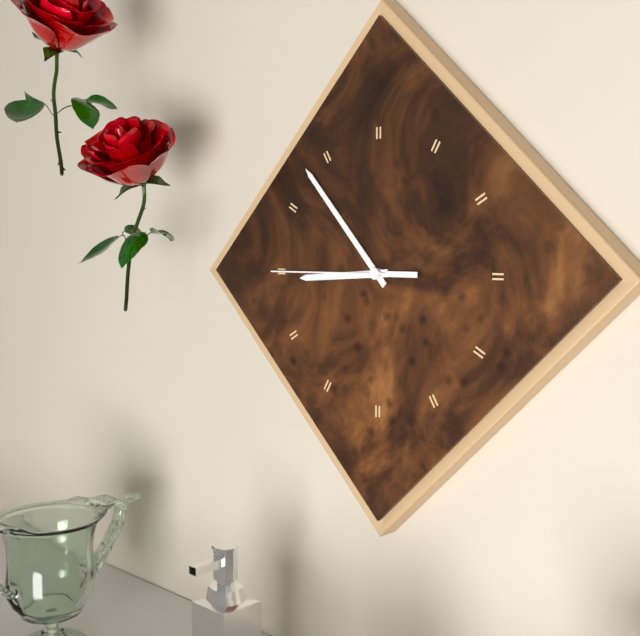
8h53m45s
